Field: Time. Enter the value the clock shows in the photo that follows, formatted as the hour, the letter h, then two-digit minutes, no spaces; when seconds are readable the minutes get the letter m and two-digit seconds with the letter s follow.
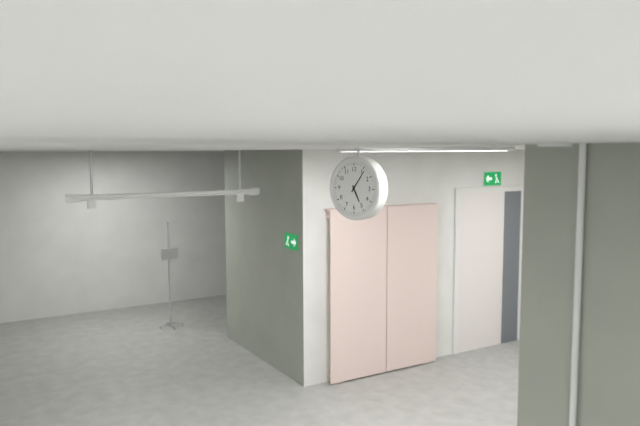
5h06
